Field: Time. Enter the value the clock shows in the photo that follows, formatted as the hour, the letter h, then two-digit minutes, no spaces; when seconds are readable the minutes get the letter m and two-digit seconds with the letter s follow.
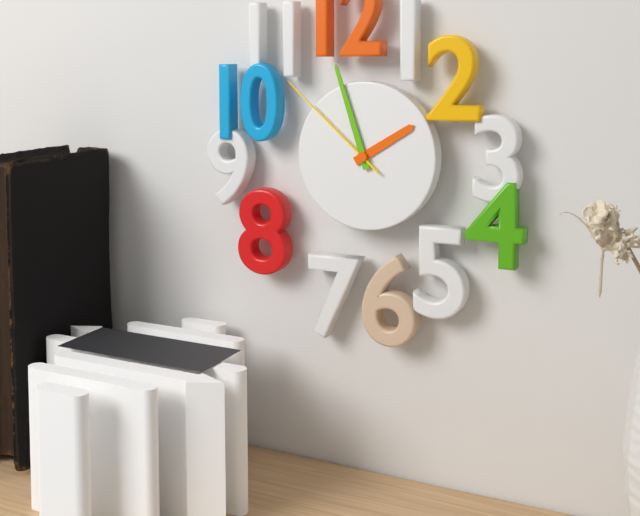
1h57m52s
